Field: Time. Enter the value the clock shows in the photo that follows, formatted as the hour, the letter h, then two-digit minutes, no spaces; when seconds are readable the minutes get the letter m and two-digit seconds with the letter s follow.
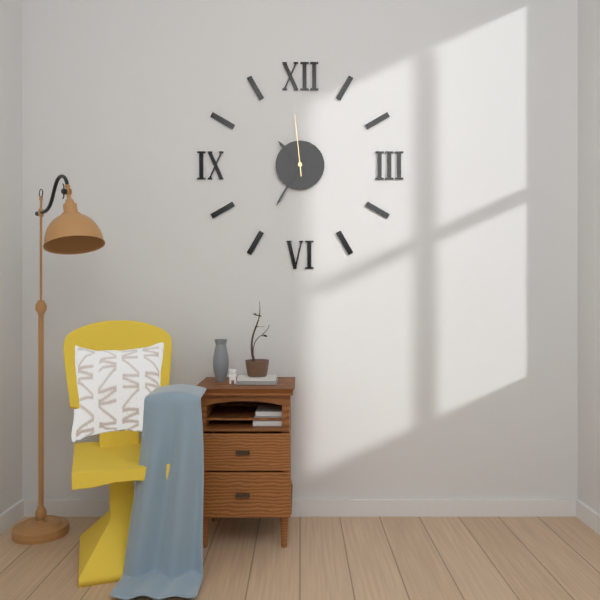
10h35m59s
